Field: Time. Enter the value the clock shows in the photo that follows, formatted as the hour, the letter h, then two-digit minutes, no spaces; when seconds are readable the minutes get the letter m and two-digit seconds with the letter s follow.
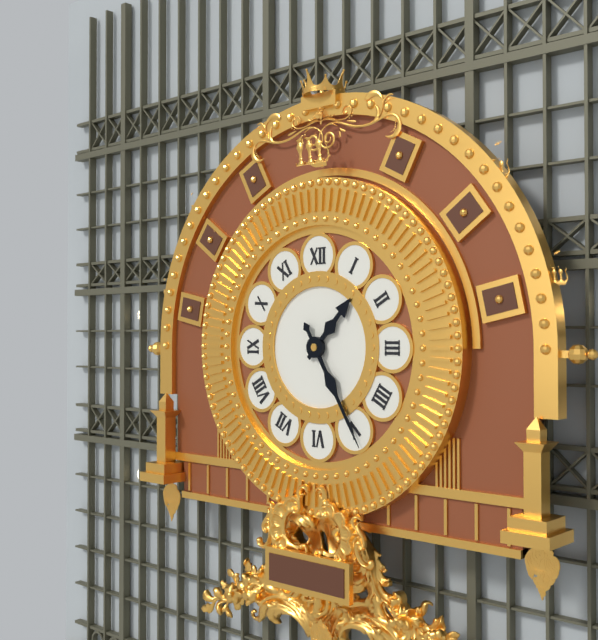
1h25
